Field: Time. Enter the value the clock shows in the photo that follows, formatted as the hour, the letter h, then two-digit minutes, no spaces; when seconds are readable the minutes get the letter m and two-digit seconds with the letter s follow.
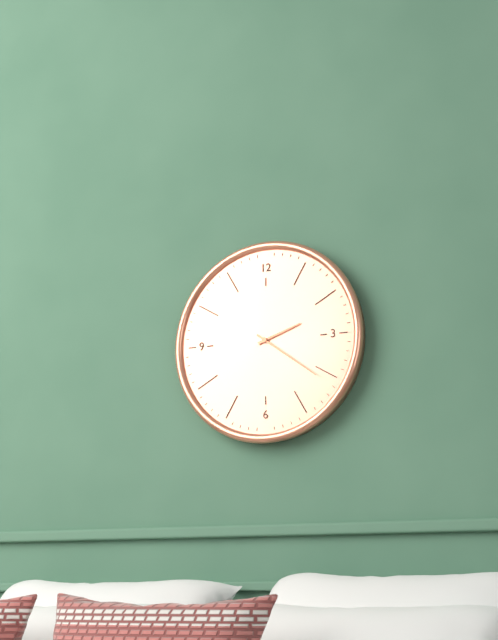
2h21
